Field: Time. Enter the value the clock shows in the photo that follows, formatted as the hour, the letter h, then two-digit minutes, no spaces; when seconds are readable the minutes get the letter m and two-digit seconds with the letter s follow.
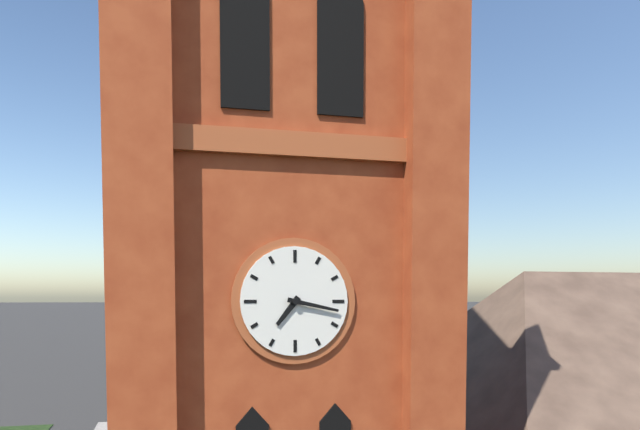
7h17
